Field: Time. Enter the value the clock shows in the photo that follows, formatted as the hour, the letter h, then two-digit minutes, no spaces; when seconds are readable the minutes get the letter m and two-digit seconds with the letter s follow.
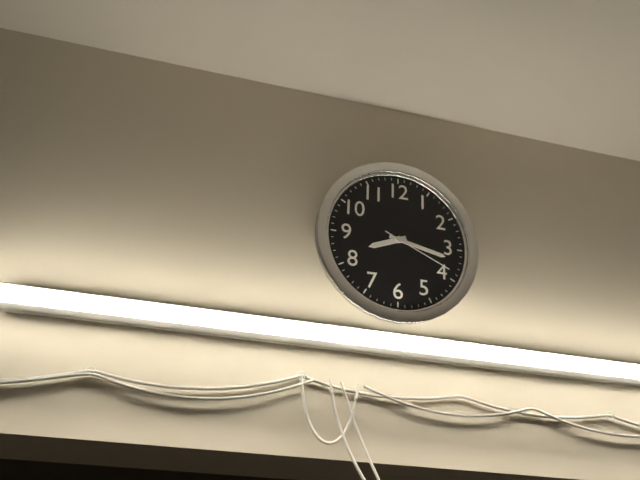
8h17m19s
